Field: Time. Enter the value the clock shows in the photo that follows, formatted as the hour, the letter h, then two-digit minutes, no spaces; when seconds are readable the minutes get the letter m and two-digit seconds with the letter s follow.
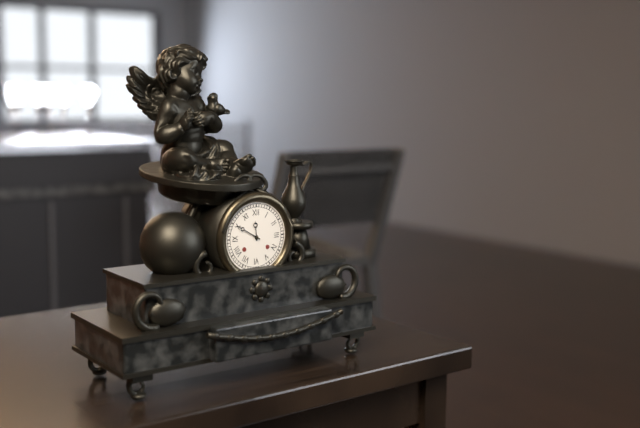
11h50
